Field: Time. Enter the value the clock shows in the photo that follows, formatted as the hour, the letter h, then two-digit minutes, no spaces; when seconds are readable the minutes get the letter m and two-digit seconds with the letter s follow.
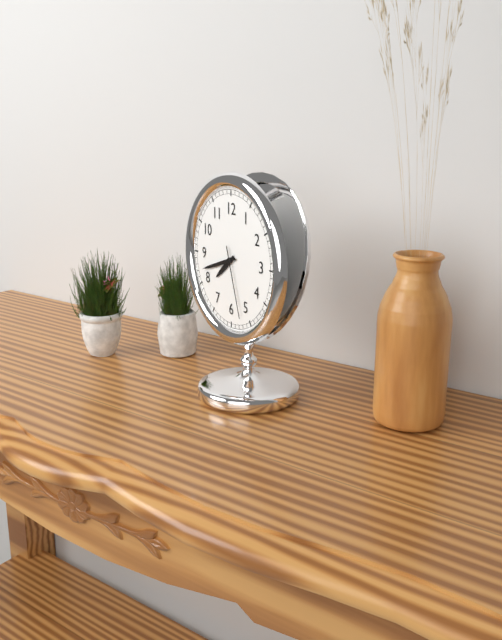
7h42m27s
